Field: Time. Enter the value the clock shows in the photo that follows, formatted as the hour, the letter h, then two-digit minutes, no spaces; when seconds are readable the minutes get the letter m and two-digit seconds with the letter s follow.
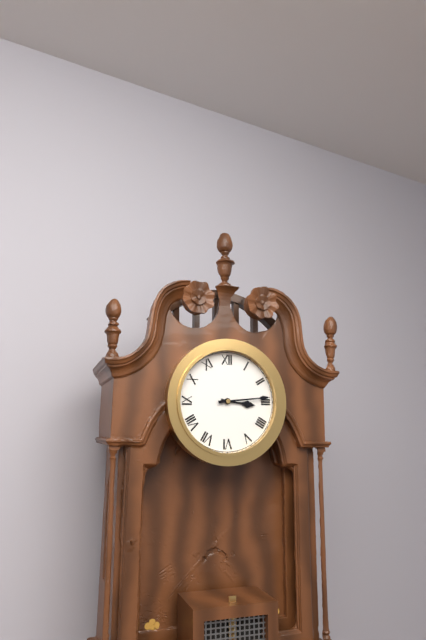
3h14
